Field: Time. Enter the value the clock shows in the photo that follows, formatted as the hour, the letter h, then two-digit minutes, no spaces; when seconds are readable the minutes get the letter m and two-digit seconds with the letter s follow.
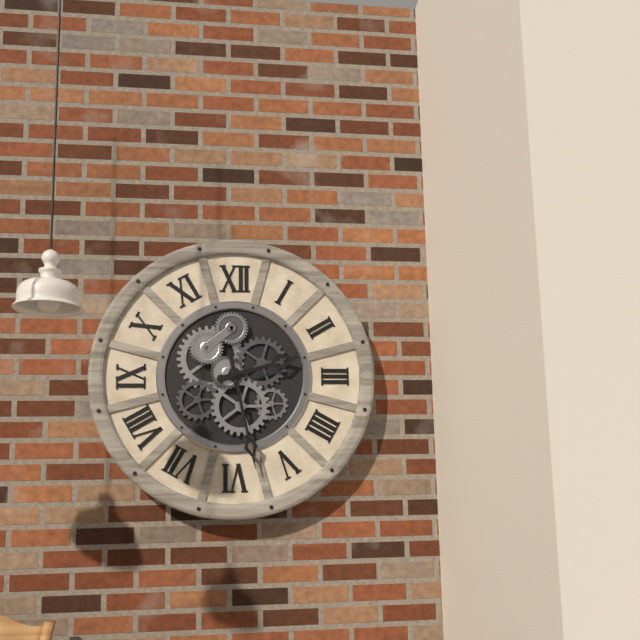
2h28
